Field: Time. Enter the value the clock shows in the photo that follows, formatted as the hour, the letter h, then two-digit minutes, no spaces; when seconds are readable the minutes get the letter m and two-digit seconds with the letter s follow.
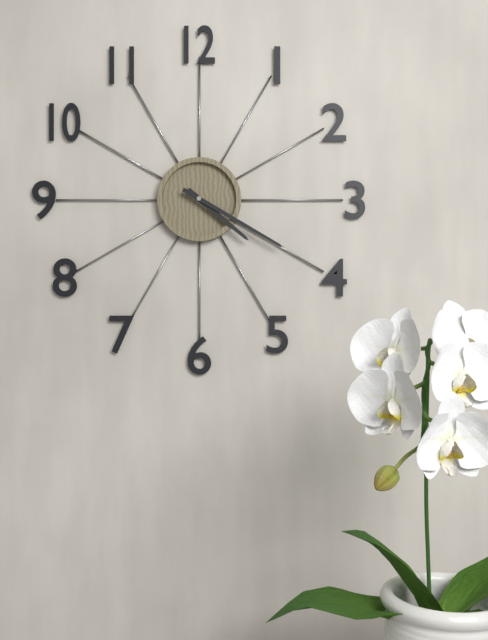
4h20
